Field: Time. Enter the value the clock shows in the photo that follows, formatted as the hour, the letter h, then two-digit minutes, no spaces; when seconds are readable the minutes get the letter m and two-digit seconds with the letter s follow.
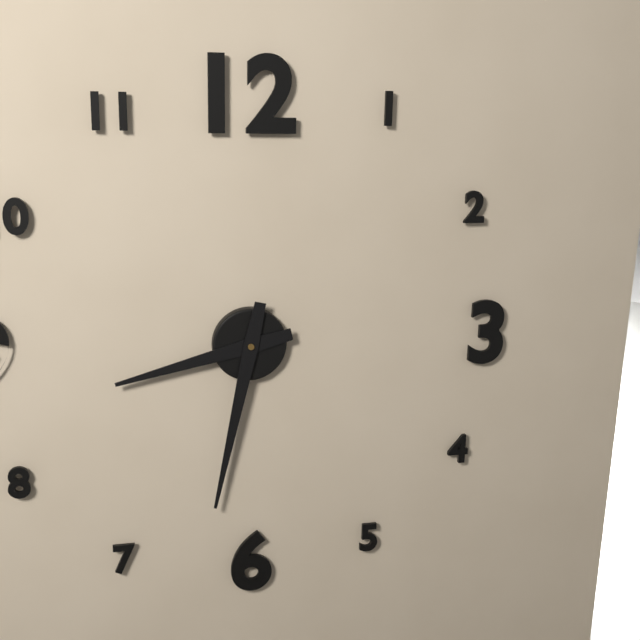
8h32
